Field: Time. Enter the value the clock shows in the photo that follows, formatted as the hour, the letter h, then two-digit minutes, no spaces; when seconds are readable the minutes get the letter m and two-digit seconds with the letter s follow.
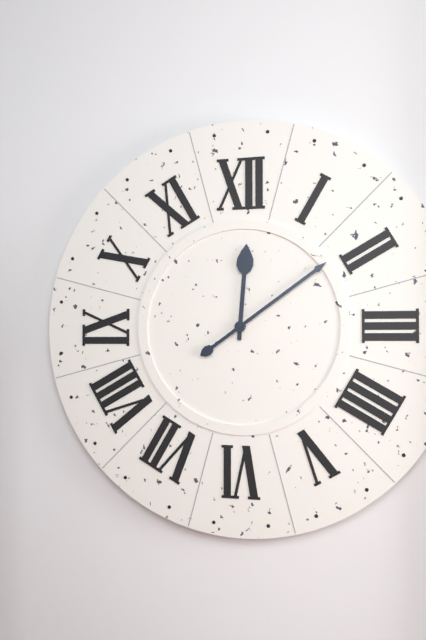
12h09
